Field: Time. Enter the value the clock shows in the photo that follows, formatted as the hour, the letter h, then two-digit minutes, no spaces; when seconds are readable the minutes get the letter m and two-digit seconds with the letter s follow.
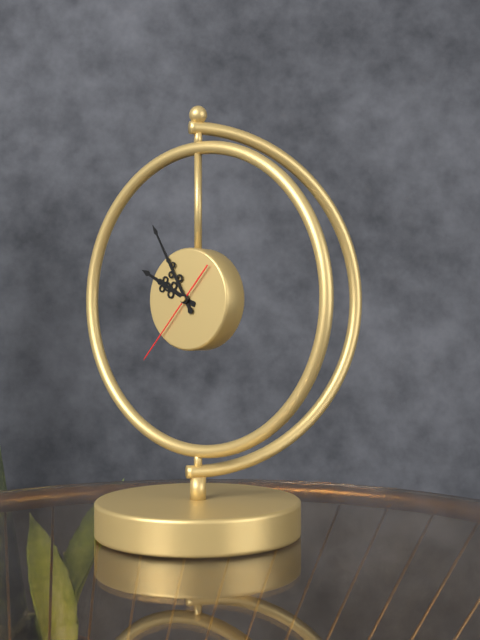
9h55m37s
